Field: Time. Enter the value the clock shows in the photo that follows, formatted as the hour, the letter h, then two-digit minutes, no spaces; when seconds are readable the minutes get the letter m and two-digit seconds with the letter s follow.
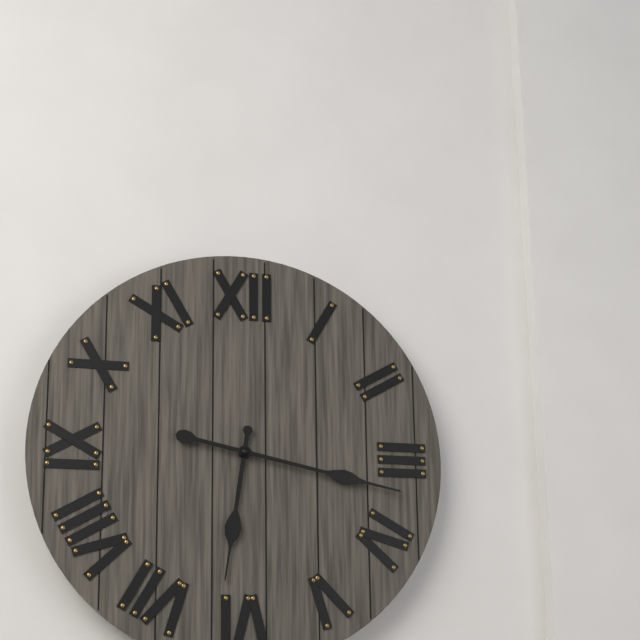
6h17
